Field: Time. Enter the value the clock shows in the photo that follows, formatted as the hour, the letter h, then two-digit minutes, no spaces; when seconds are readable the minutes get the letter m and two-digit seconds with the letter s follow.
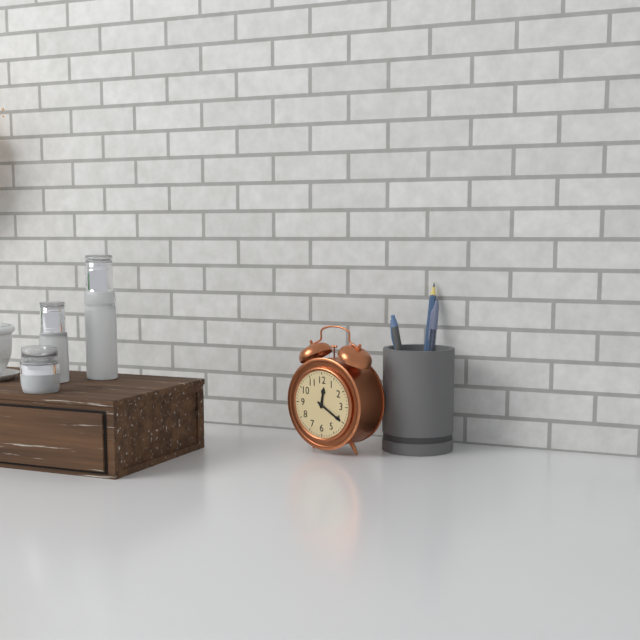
12h20
